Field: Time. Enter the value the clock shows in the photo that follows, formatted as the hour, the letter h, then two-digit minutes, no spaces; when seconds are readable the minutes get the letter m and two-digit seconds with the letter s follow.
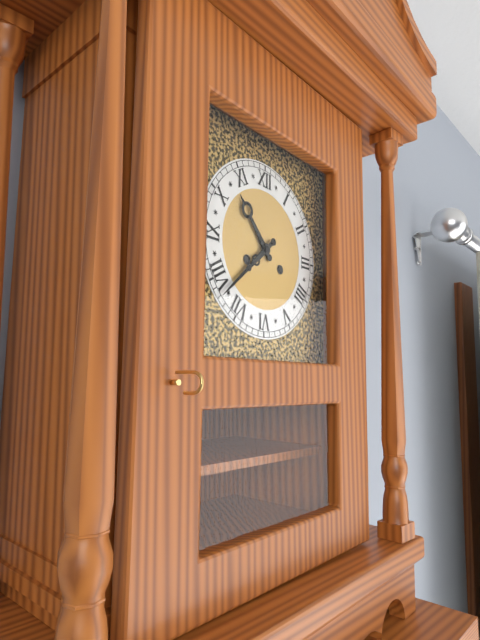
10h38
